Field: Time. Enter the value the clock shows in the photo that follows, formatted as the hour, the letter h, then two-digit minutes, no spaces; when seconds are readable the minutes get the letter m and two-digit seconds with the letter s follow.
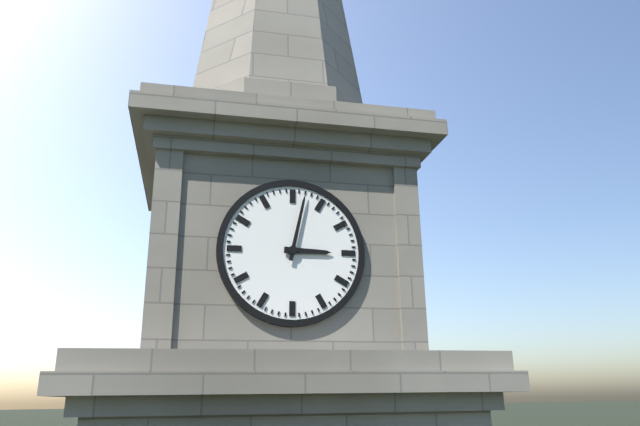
3h02
